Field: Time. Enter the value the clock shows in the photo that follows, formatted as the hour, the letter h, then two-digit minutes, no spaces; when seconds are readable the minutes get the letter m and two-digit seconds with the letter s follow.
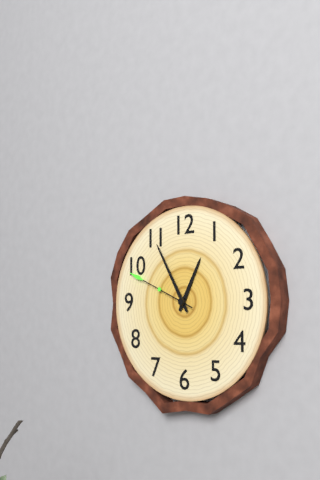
12h55m49s
